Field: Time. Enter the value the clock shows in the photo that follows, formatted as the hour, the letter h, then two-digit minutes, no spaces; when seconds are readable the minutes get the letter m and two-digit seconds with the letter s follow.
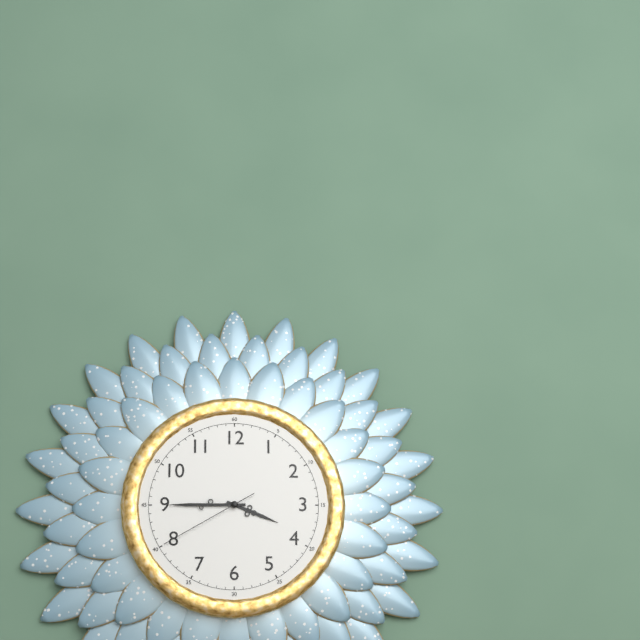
3h45m40s
